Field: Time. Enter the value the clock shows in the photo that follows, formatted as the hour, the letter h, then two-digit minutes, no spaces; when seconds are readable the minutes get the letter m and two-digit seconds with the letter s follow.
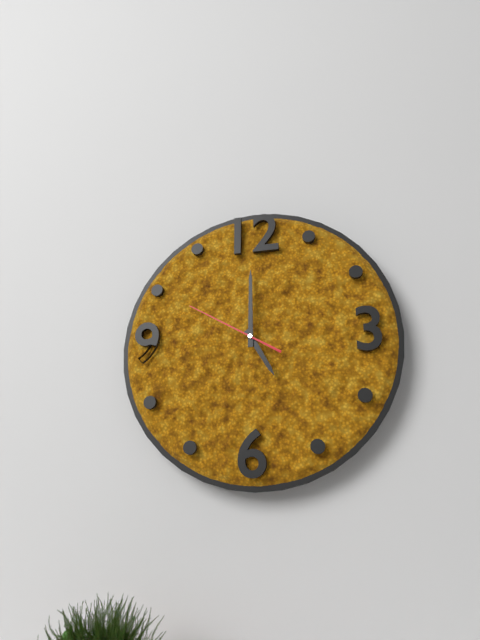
5h00m50s
